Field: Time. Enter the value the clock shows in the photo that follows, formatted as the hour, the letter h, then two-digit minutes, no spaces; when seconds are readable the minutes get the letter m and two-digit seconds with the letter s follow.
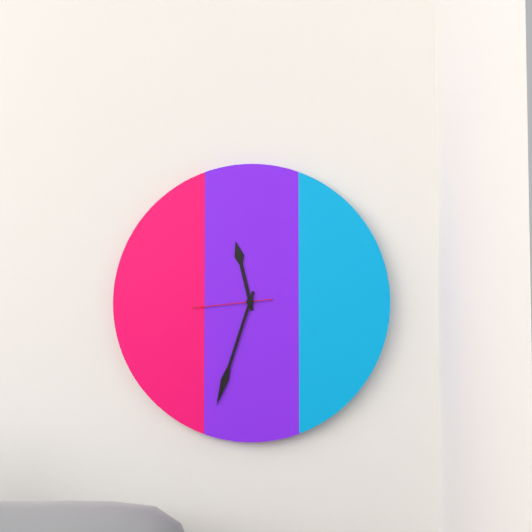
11h33m44s
